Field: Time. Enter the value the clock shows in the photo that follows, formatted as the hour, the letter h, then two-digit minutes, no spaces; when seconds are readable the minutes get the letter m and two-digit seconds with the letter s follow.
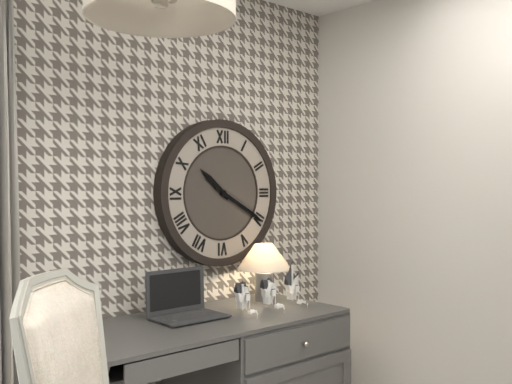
10h20
